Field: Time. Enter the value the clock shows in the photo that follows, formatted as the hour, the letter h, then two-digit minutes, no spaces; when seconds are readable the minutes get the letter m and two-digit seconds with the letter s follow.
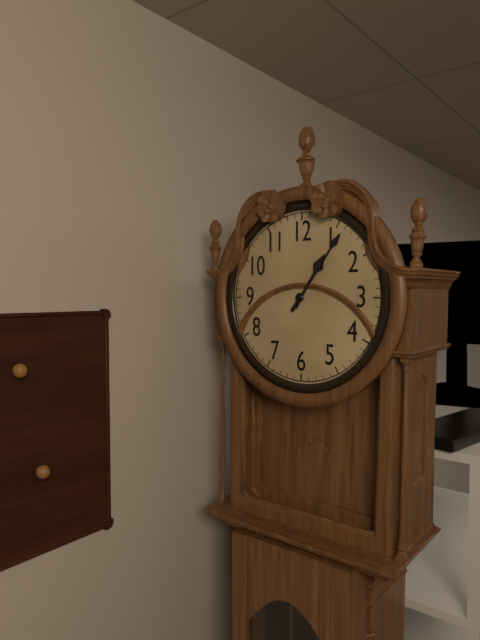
1h06
